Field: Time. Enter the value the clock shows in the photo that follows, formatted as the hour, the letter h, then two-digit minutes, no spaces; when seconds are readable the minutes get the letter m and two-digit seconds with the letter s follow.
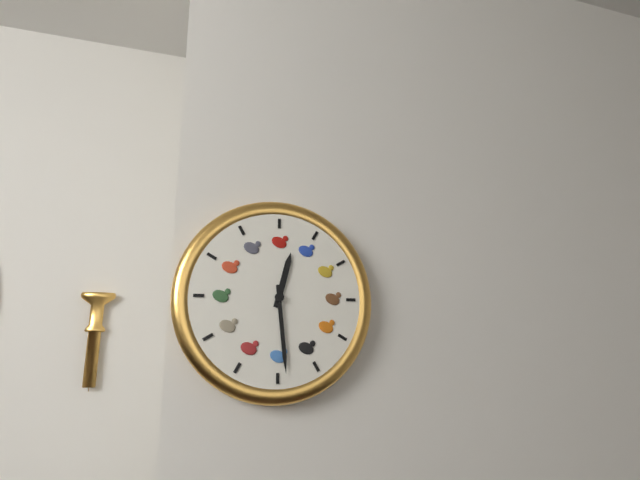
12h29
